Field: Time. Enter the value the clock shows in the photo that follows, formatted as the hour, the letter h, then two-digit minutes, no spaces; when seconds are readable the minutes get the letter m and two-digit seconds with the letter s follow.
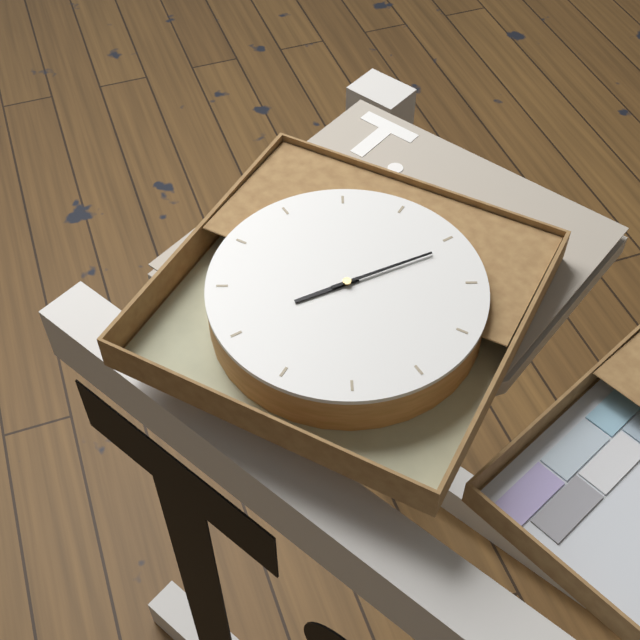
8h11
